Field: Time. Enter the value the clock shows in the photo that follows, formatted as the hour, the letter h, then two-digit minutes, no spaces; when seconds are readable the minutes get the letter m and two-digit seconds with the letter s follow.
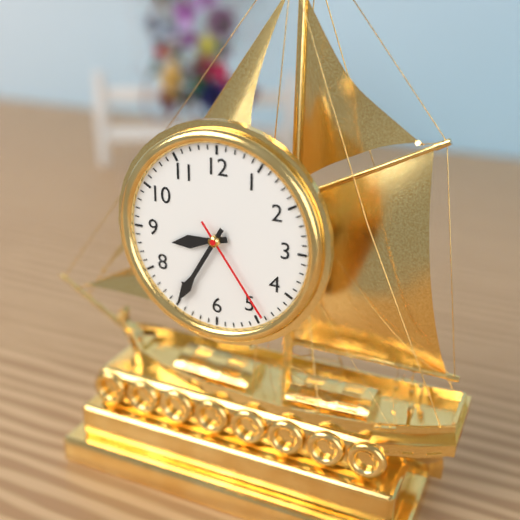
8h35m24s
